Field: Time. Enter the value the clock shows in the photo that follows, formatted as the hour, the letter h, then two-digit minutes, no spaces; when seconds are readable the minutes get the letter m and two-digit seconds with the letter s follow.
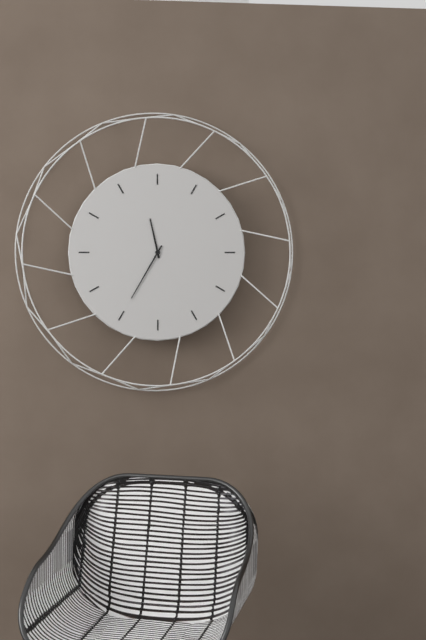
11h35
